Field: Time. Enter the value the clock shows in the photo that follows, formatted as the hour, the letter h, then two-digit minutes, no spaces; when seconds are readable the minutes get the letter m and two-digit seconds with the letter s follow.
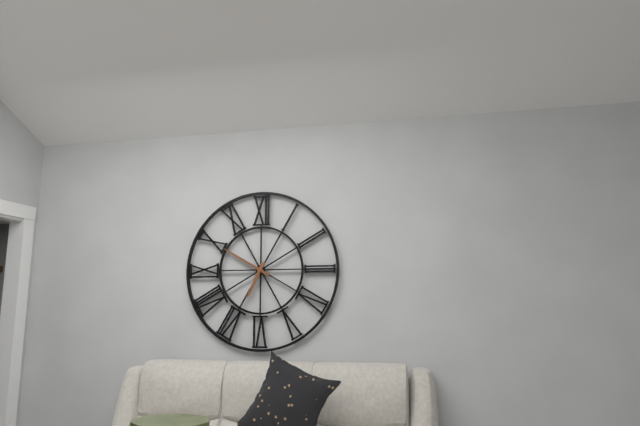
6h50
